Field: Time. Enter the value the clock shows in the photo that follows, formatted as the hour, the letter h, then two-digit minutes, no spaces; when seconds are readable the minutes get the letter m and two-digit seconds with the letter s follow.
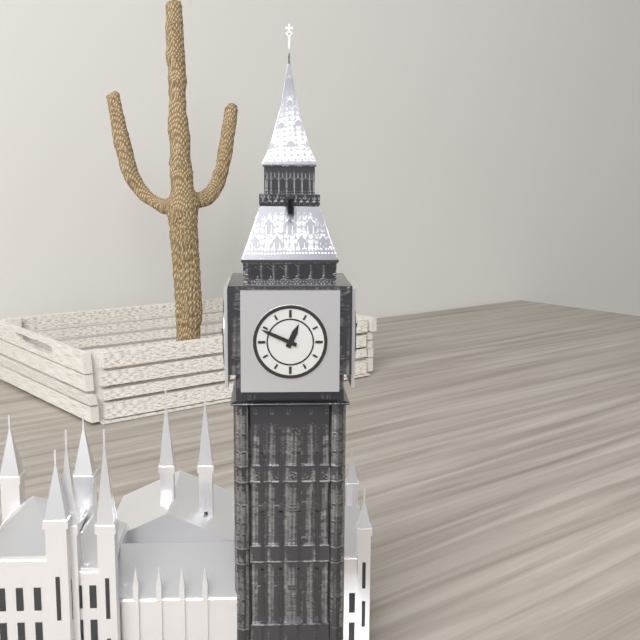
12h49
